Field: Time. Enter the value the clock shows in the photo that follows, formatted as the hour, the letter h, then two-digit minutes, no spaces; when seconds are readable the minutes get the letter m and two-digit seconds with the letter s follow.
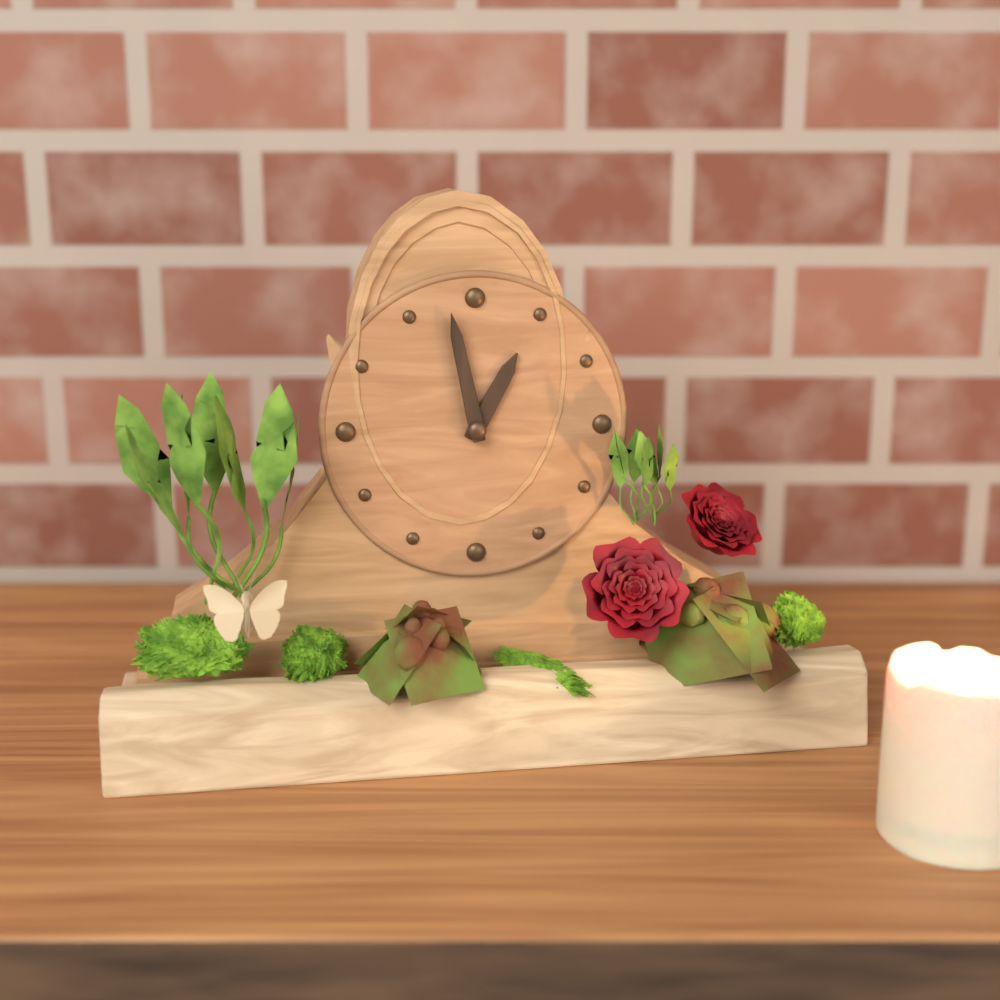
12h58
